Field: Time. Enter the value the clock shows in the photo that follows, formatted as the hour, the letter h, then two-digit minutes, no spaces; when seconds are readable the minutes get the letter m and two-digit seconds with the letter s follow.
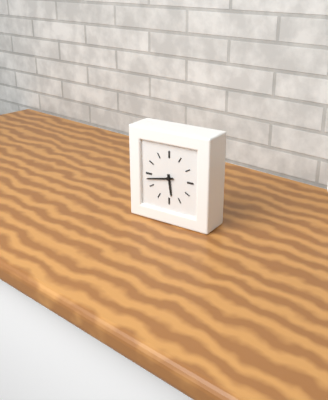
5h43
